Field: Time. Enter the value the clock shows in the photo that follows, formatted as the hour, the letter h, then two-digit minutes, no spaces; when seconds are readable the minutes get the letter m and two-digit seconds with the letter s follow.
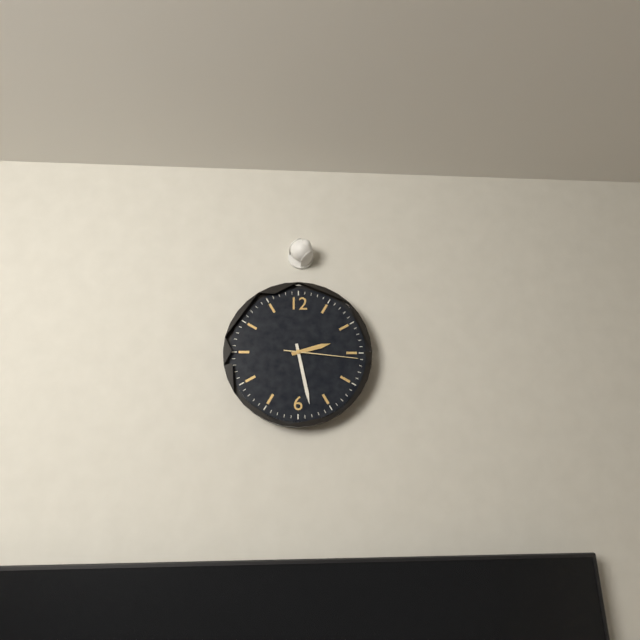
2h28m16s
